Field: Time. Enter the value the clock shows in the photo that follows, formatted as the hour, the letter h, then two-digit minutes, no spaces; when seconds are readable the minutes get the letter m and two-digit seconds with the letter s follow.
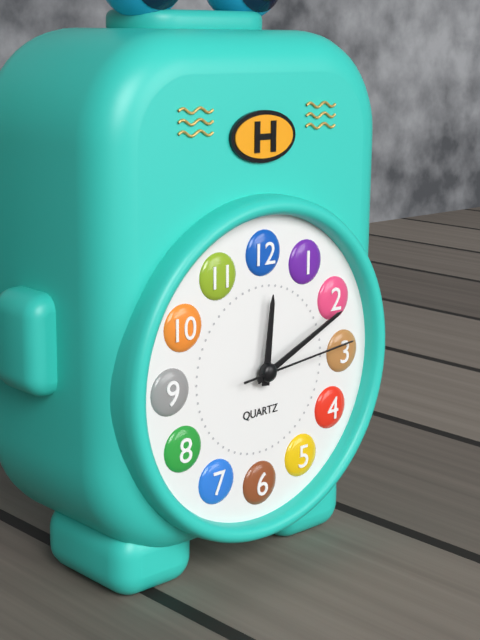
12h11m14s
